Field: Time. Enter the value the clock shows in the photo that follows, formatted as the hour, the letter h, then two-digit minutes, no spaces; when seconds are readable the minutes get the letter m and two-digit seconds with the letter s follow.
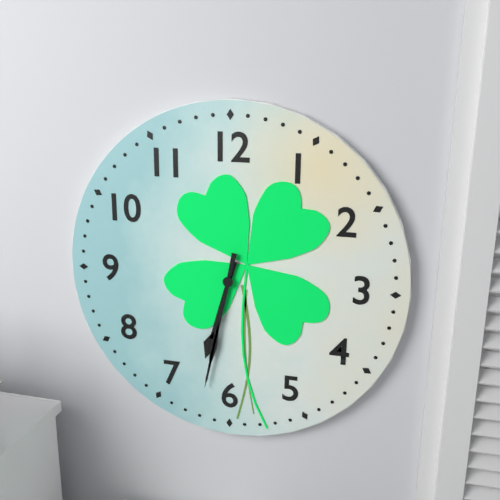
6h32
